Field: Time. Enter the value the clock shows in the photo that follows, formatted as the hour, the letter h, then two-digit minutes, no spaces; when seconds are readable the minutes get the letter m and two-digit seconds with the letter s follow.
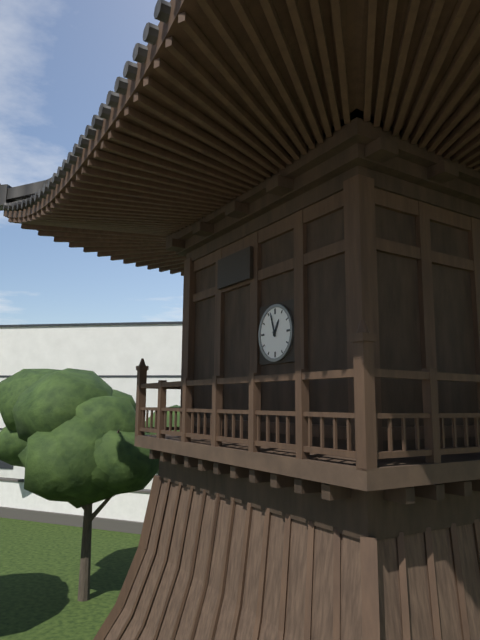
12h57
